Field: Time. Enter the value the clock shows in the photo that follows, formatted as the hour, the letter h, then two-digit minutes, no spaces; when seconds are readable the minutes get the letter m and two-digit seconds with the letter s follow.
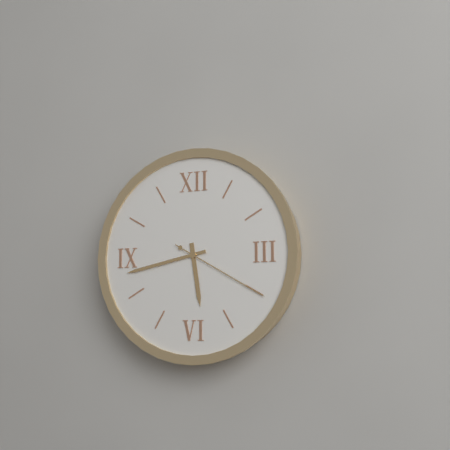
5h43m20s
